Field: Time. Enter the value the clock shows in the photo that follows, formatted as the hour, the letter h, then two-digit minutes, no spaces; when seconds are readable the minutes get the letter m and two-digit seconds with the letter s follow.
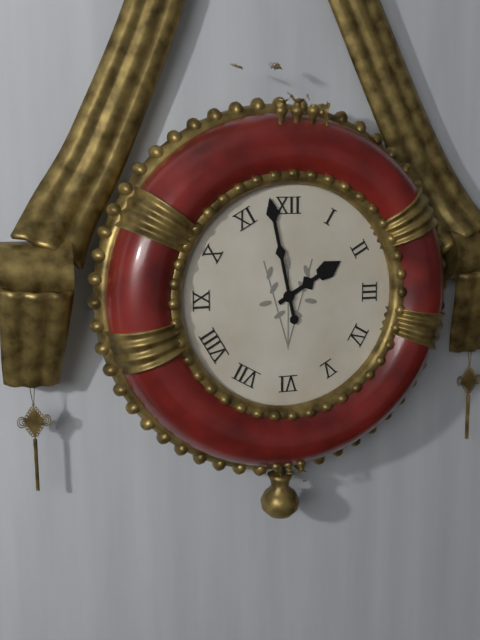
1h58
